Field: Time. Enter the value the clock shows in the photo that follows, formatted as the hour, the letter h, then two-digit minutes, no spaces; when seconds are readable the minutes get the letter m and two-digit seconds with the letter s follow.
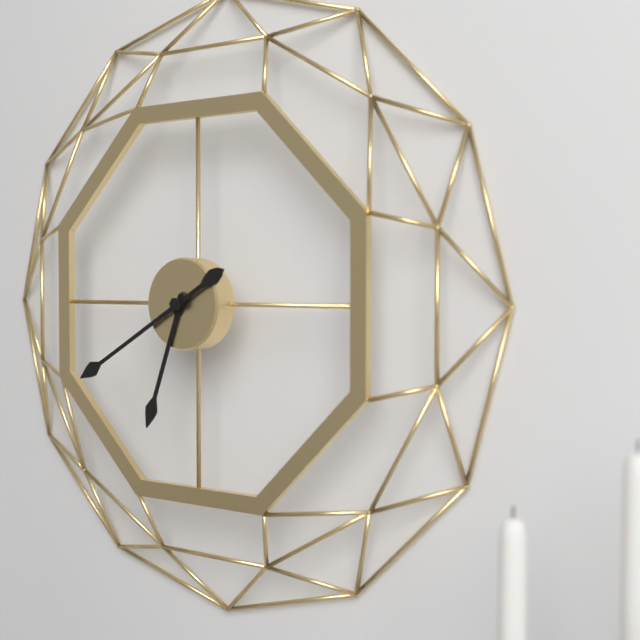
6h40
